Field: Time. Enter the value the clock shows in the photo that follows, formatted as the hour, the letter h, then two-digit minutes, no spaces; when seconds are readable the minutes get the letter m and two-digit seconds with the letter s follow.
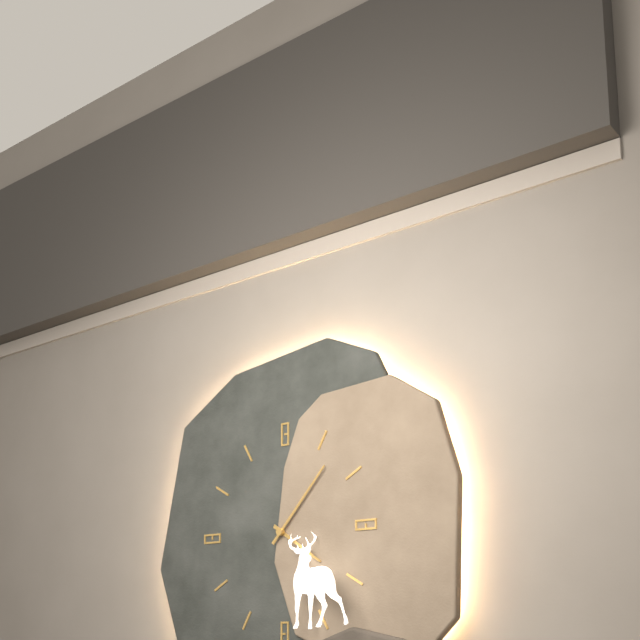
4h07
